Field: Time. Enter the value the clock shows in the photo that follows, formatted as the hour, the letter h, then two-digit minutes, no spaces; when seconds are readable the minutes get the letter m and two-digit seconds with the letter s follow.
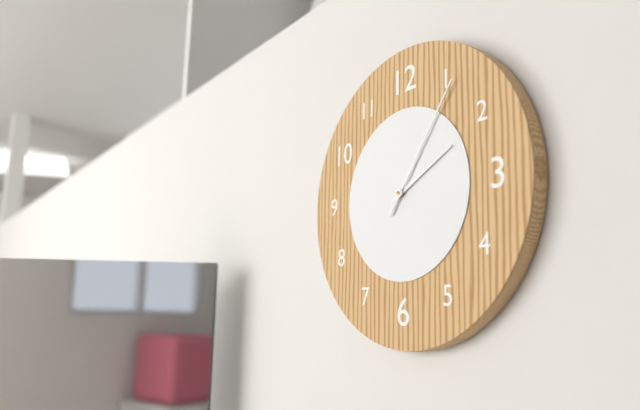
2h06
